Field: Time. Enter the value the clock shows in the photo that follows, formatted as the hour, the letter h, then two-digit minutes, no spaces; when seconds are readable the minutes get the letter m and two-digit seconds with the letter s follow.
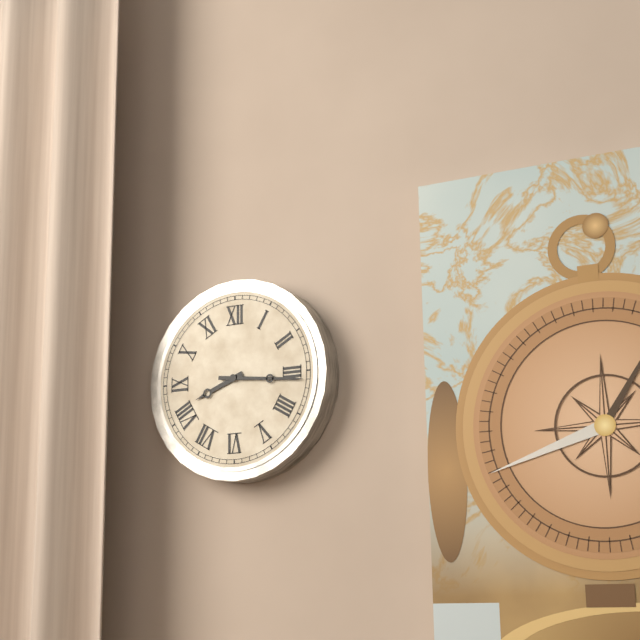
8h16
